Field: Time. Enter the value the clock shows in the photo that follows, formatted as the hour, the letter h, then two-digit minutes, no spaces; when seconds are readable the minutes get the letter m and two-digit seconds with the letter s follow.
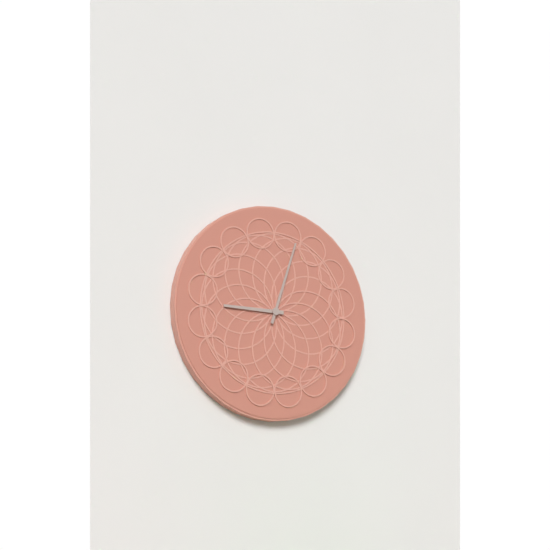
9h03
